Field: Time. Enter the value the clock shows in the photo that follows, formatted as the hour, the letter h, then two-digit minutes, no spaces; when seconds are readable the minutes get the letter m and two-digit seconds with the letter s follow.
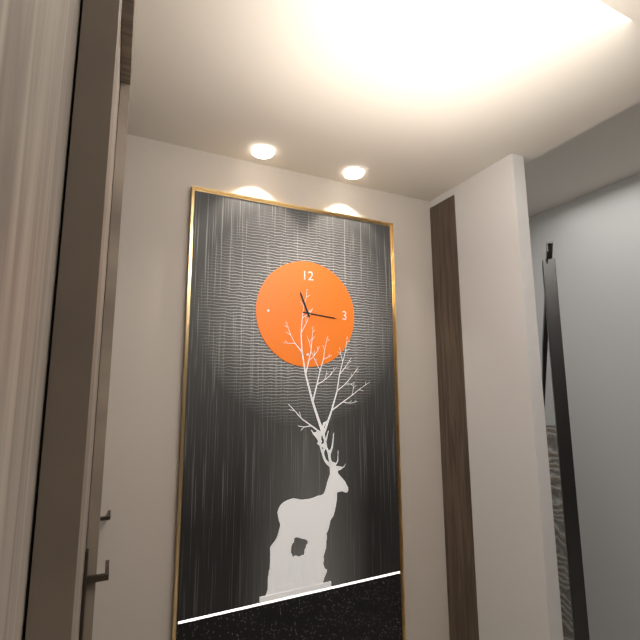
11h16
